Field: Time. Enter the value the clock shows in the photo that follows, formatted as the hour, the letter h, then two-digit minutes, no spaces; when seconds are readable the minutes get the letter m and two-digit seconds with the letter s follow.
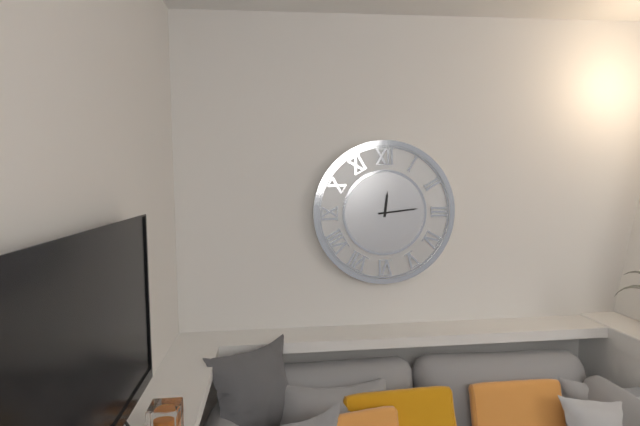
12h14
